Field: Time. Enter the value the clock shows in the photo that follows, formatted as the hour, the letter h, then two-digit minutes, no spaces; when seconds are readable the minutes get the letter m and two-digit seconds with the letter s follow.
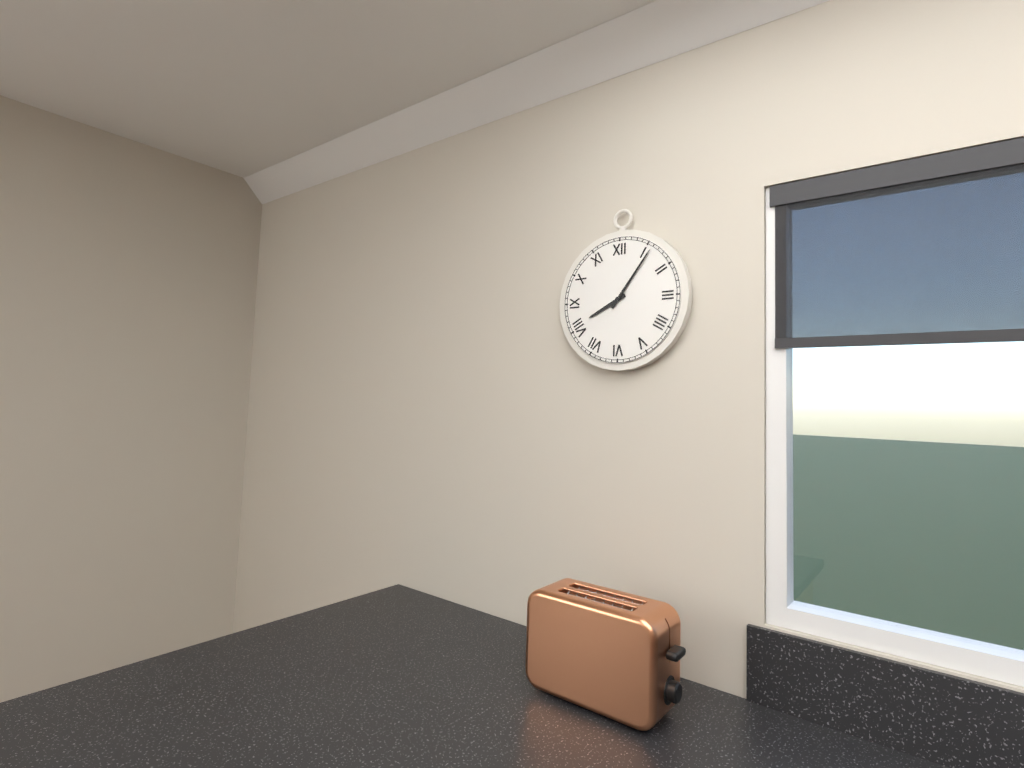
8h06
